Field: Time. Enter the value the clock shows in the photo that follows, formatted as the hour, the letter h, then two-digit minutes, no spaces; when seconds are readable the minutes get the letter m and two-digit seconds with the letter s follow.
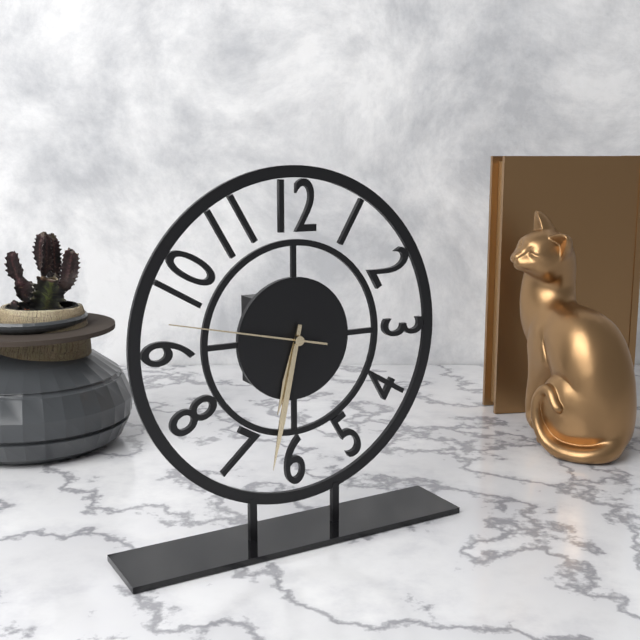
6h32m47s
